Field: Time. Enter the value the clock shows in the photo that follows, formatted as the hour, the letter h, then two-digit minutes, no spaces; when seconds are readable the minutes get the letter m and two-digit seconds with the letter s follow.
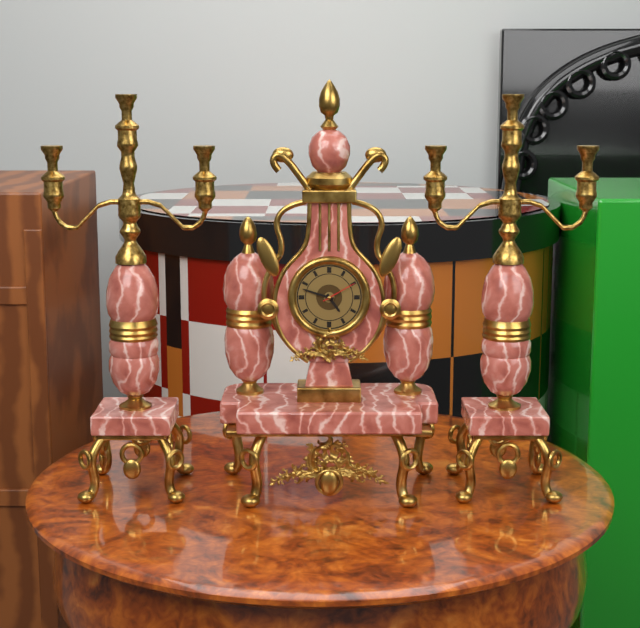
4h48
